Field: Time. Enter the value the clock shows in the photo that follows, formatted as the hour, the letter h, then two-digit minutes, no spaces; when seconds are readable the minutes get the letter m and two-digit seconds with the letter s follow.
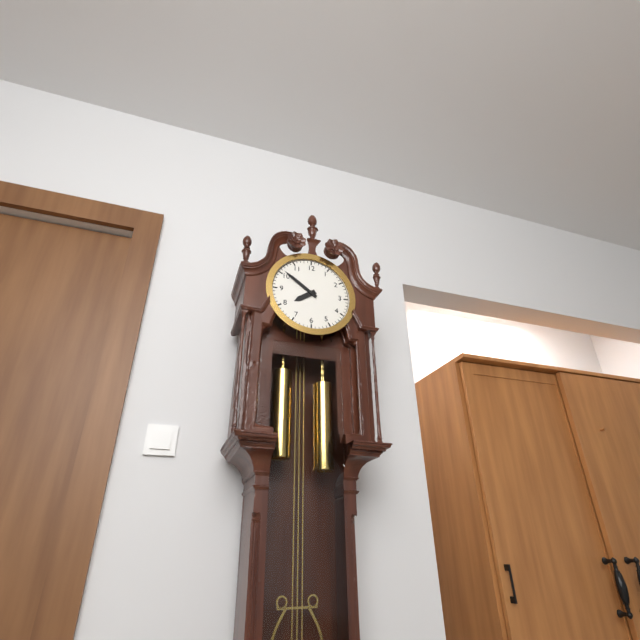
7h51
